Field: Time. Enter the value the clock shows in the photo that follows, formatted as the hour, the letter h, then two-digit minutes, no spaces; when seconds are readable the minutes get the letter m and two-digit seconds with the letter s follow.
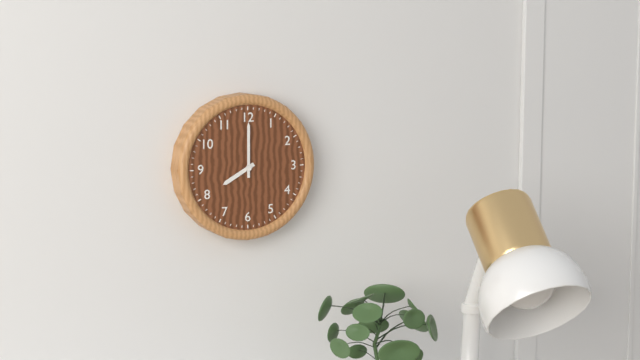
8h00
